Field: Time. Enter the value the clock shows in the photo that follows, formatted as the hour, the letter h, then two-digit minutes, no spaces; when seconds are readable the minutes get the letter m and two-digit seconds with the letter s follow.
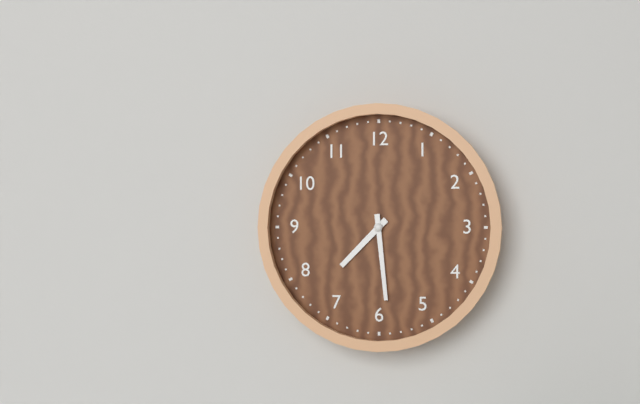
7h29
